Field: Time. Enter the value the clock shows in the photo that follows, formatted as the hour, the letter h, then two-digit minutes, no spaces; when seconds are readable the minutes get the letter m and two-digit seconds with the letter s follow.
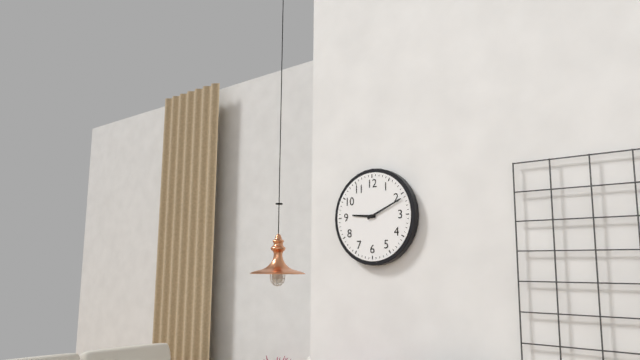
9h11
